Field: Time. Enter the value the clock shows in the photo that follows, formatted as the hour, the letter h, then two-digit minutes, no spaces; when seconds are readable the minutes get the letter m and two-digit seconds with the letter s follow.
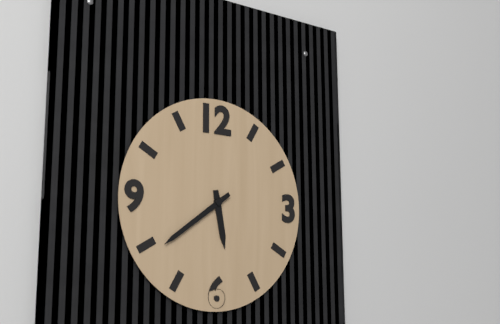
5h39
